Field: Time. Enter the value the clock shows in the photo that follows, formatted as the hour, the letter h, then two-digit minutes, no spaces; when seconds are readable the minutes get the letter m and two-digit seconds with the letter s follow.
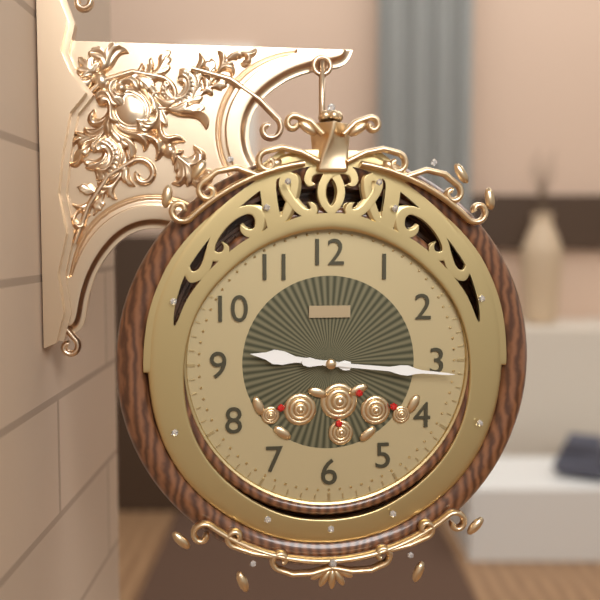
9h16
